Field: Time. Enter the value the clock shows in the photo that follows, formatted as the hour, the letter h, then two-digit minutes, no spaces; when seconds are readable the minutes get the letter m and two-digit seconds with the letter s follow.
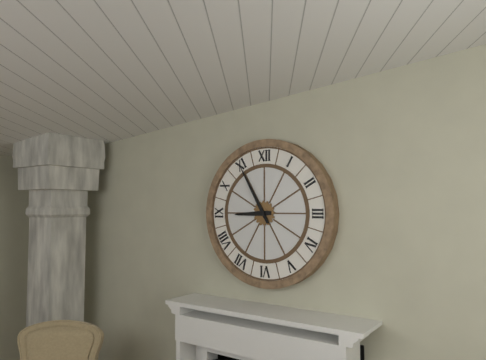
8h55
